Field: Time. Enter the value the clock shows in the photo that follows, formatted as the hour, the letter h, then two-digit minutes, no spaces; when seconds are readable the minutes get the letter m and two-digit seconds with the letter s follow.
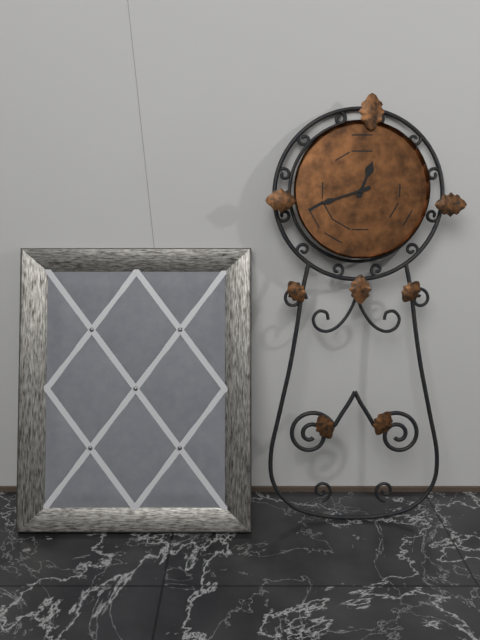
12h42
